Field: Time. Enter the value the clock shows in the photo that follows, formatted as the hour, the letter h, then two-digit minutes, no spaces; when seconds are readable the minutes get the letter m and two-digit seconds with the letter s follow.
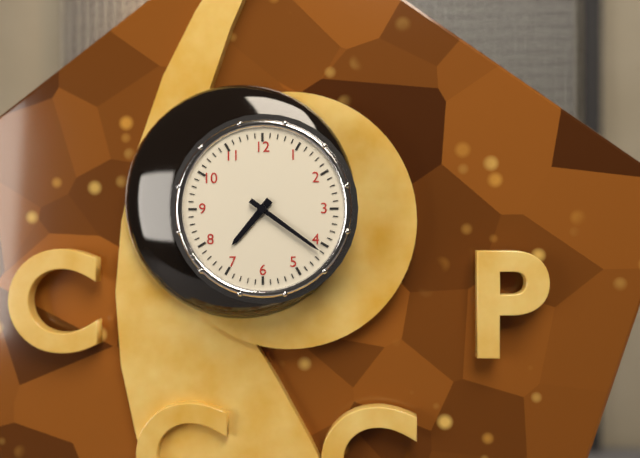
7h21
